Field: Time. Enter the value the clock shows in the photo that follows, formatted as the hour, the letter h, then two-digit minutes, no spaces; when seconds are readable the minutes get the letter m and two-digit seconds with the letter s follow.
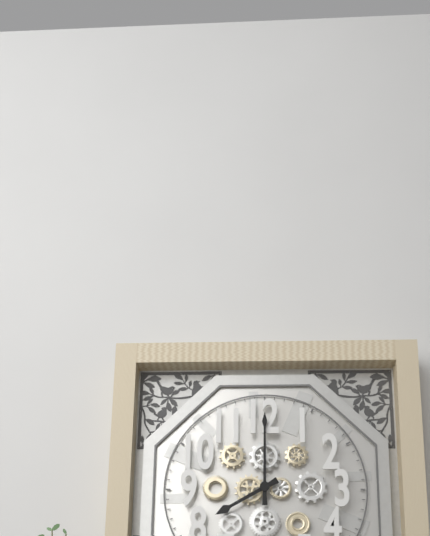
8h00
